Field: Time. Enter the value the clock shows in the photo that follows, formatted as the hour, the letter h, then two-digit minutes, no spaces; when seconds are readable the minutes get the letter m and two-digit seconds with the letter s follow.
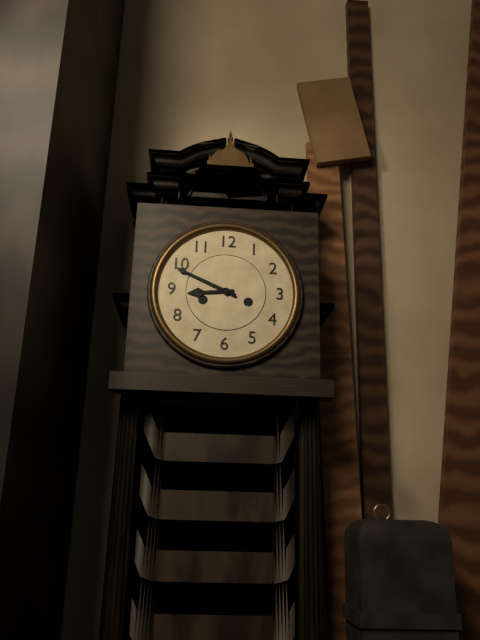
8h49
